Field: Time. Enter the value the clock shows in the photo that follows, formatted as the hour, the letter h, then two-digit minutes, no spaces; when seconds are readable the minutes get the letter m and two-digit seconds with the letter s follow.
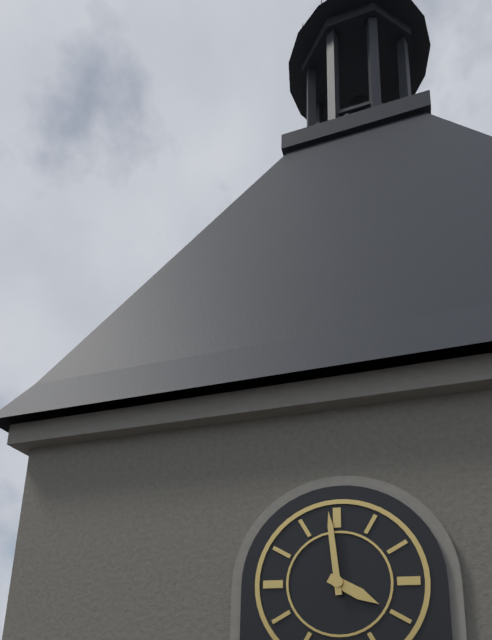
3h59
